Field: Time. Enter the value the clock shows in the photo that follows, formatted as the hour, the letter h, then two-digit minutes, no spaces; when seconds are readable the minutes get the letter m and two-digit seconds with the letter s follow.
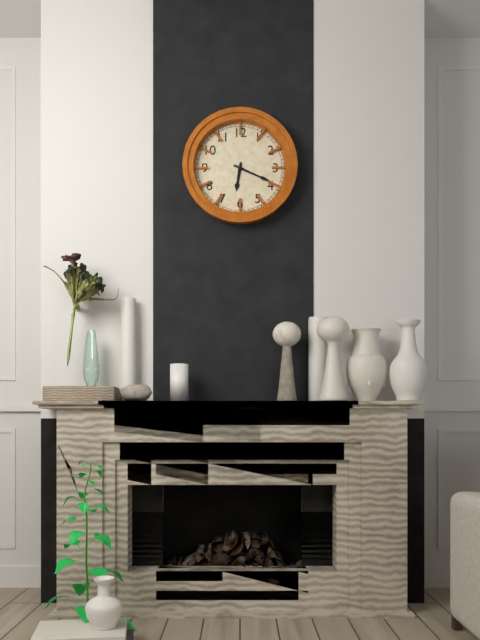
6h19
